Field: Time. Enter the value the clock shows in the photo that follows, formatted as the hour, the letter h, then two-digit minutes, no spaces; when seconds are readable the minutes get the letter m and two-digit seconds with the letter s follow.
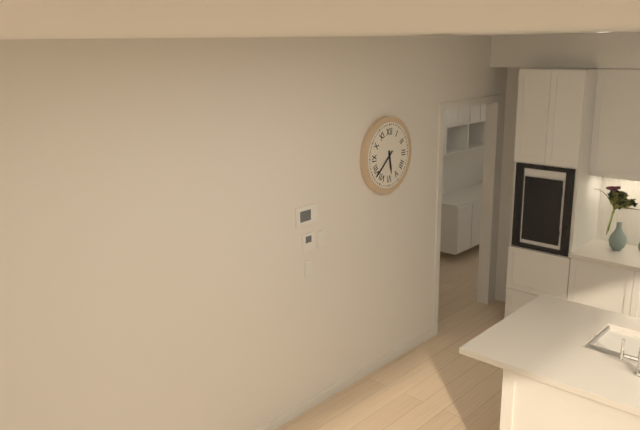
5h38
